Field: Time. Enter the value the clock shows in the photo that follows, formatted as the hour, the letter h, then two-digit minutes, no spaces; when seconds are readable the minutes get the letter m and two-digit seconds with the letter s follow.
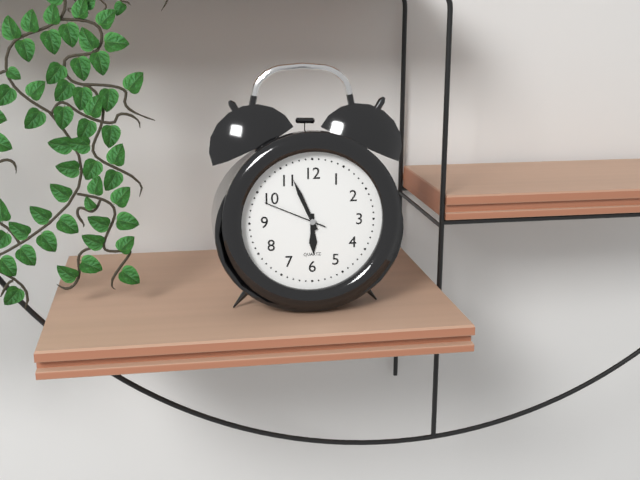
5h56m49s
